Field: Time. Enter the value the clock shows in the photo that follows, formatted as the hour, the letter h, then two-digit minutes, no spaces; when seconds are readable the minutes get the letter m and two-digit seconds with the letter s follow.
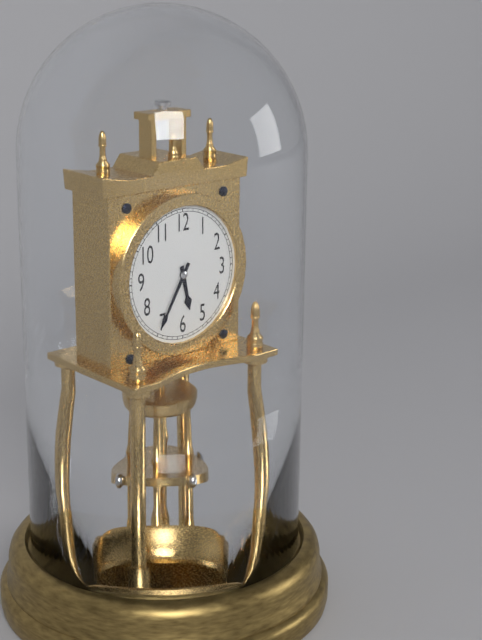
5h35
